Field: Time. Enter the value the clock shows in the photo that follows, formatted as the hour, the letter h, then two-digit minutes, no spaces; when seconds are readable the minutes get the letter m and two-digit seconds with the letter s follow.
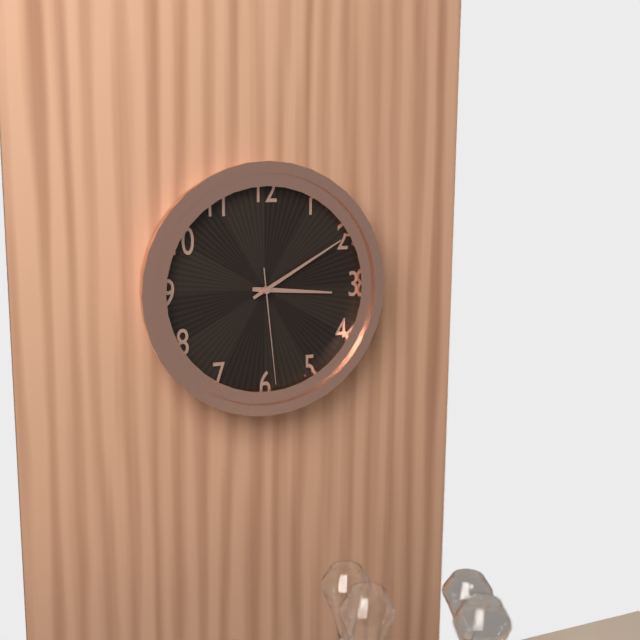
3h10m29s
